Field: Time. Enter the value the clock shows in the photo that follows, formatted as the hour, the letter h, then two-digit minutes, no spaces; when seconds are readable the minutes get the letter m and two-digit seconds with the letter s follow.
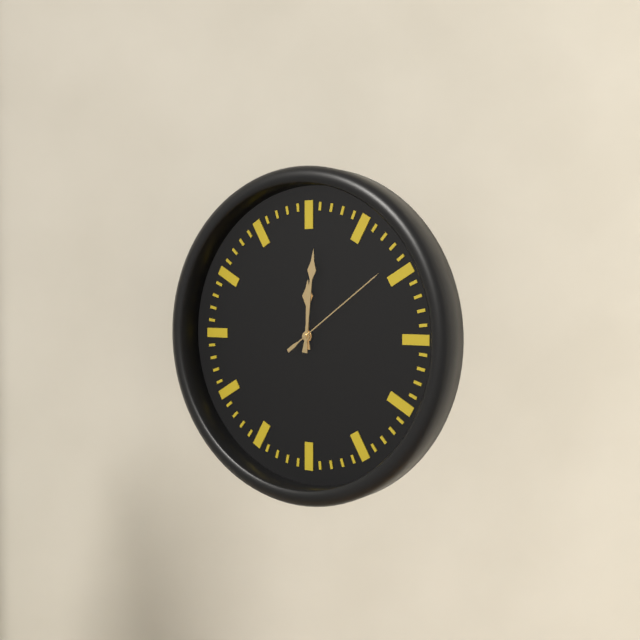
12h01m09s
